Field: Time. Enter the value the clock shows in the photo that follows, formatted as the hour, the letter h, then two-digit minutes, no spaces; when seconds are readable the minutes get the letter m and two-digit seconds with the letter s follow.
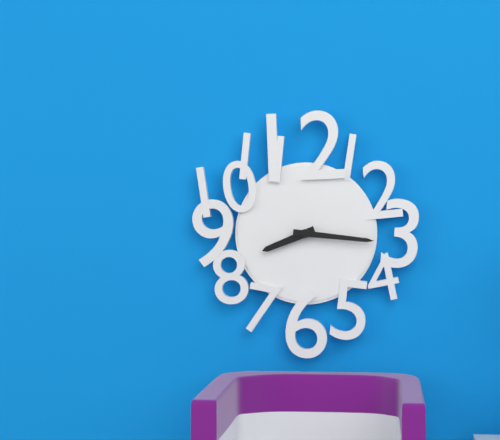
8h16
